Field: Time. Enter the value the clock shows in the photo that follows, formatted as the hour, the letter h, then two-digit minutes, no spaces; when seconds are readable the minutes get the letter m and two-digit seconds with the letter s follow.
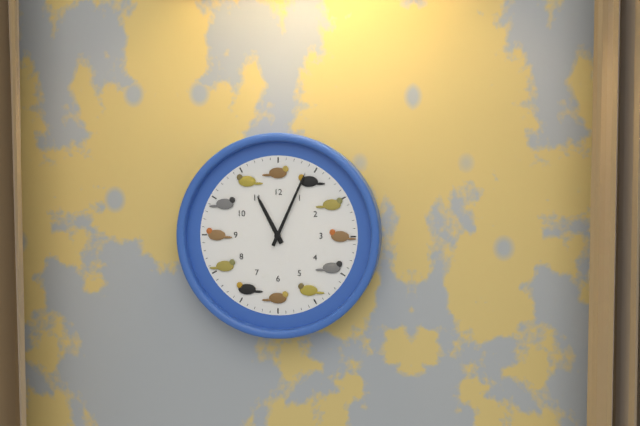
11h04
